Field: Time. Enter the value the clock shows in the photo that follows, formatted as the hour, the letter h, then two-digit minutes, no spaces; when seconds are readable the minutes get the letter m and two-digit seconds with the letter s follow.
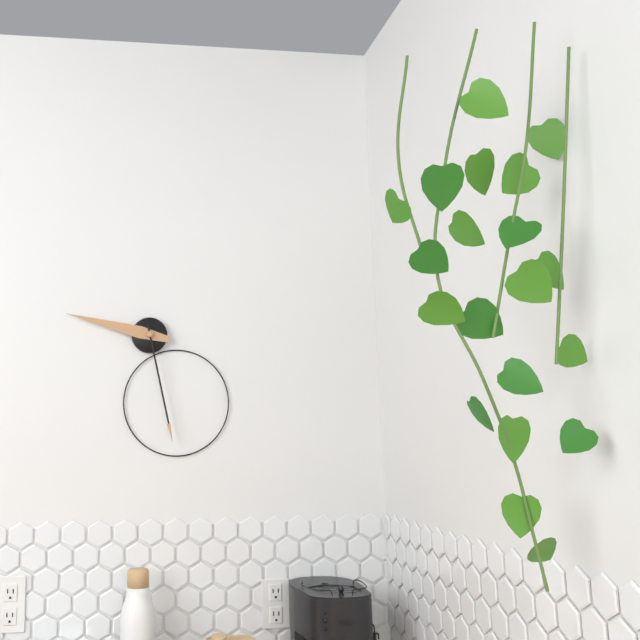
9h28
